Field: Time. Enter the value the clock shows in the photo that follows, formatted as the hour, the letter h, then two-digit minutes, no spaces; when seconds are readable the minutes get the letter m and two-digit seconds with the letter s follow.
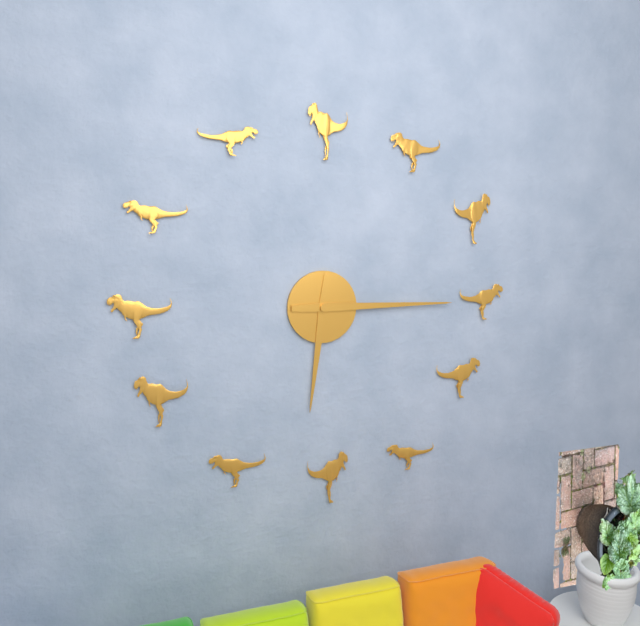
6h15
